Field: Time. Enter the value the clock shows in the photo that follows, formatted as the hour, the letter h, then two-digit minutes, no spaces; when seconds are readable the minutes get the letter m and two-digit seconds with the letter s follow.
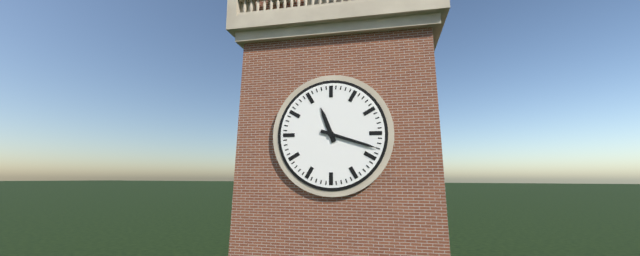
11h18
